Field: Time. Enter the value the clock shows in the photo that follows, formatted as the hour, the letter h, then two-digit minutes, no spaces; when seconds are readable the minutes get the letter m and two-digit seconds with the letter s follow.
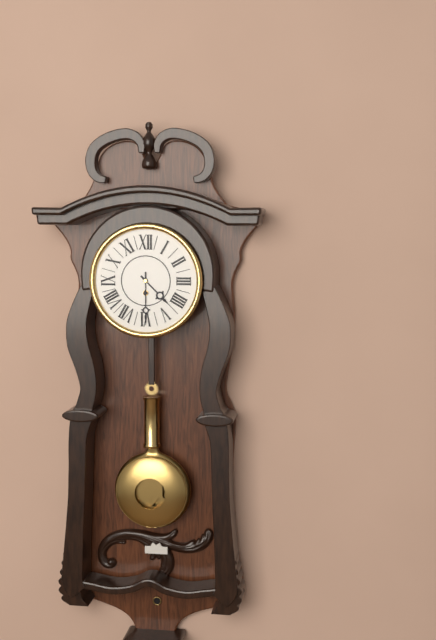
4h30
